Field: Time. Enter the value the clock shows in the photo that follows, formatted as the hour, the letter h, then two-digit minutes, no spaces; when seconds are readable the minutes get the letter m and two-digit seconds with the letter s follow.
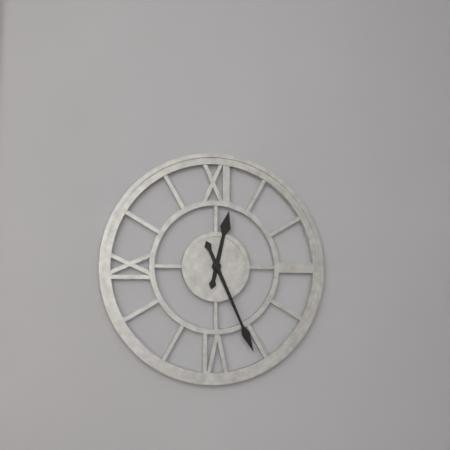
12h26
